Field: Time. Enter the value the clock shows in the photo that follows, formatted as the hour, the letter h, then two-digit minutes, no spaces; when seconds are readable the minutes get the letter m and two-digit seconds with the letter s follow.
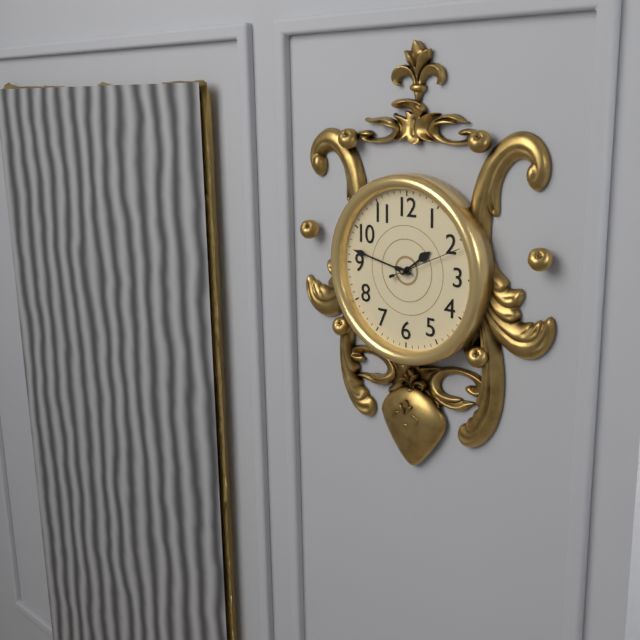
1h47m11s
